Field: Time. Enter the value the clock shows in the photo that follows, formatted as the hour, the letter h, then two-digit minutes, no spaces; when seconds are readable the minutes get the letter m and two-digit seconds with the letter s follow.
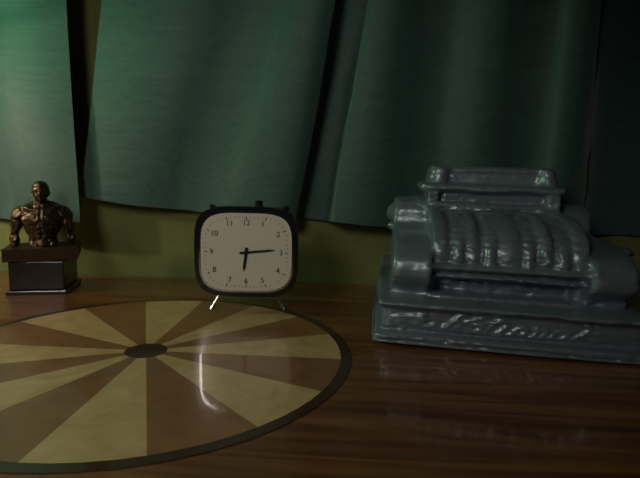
6h14
